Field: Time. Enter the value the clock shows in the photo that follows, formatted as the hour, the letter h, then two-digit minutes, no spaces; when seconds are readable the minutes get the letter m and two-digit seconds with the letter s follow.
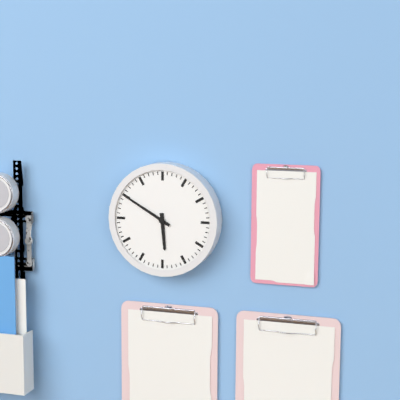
5h50
